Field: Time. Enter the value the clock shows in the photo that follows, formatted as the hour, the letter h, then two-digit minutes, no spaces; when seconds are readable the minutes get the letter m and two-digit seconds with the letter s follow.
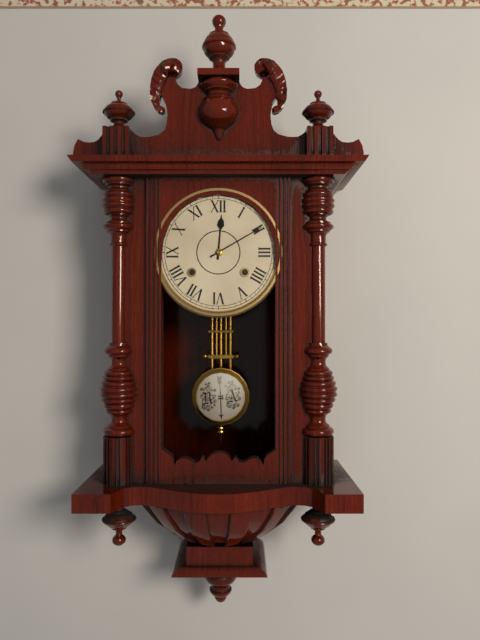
12h10
